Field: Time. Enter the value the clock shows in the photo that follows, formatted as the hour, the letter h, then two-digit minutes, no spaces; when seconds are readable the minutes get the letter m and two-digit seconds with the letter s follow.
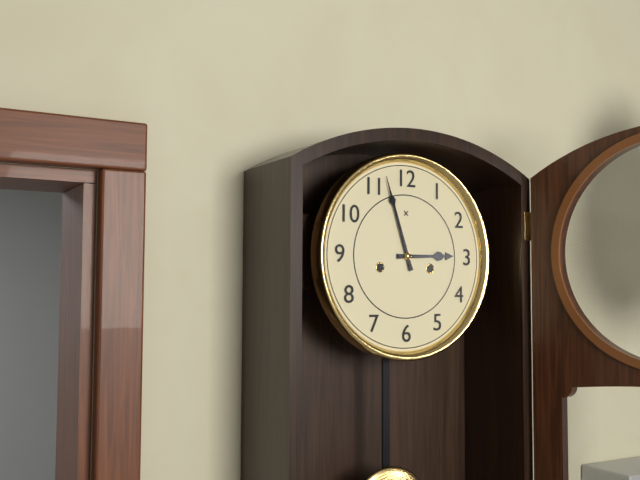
2h57
